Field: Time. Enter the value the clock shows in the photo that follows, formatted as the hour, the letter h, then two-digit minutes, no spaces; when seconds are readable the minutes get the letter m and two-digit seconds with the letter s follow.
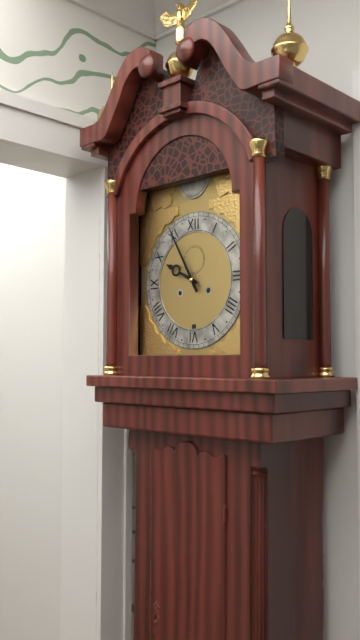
9h55
